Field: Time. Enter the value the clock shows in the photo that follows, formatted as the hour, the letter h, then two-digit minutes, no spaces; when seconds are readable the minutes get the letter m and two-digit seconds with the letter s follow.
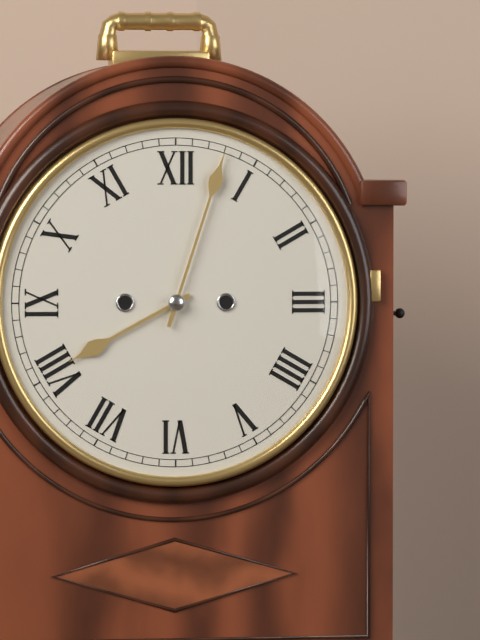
8h03
